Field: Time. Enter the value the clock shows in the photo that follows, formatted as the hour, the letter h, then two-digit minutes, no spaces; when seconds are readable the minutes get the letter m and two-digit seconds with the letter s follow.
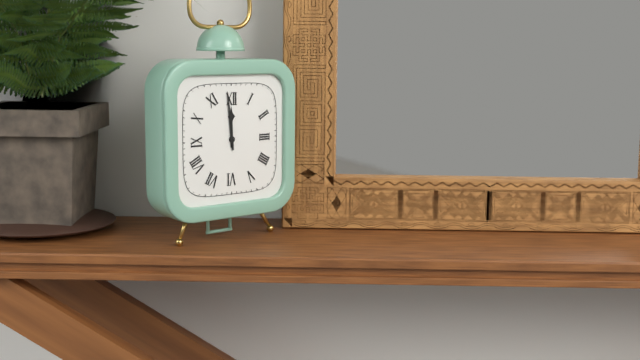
11h59
